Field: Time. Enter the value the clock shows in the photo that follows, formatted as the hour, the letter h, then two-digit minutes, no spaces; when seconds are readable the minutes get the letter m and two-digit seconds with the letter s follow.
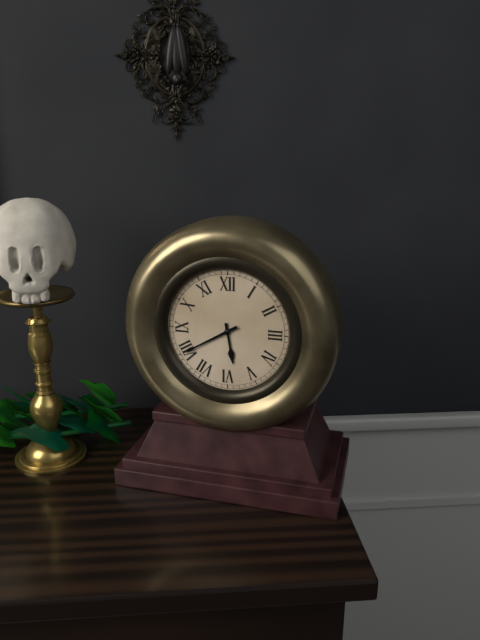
5h40
